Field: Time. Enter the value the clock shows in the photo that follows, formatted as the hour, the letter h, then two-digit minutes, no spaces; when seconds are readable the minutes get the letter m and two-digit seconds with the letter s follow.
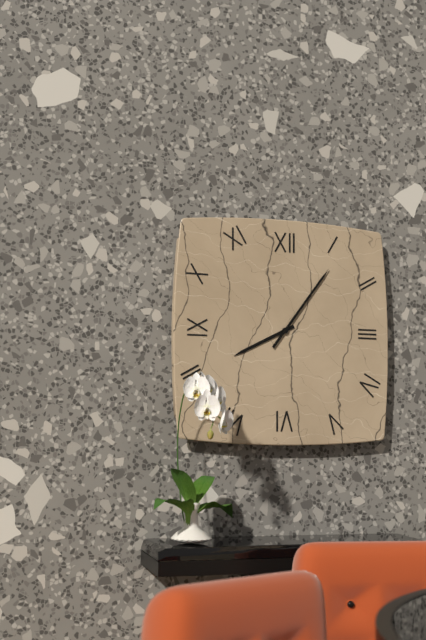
8h06
